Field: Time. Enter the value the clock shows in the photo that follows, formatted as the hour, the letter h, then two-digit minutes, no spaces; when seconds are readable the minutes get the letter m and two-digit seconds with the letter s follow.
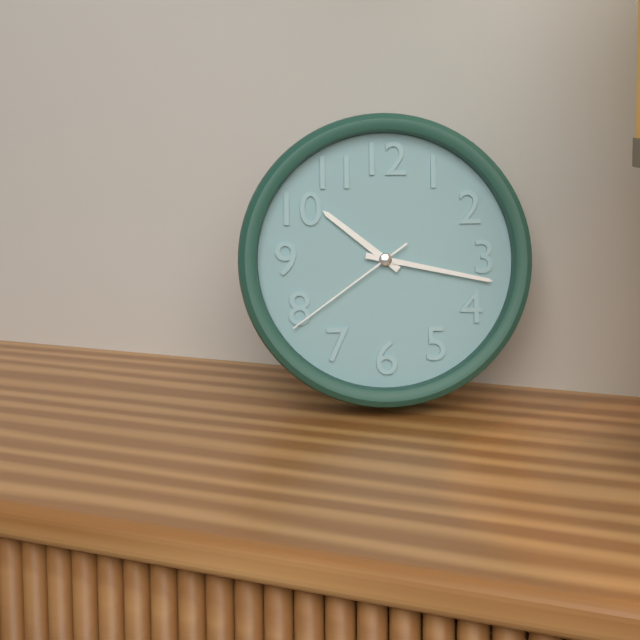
10h17m39s
